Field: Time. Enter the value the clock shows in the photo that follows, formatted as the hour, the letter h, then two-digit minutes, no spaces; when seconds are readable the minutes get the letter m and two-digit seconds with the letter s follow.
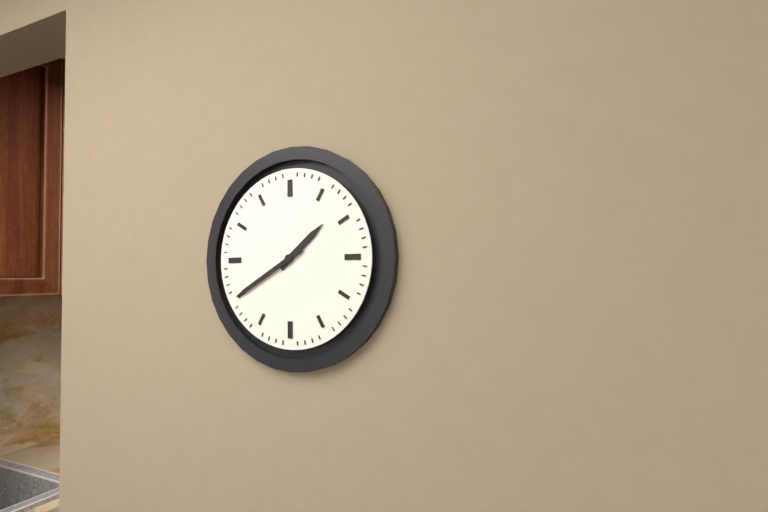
1h40
